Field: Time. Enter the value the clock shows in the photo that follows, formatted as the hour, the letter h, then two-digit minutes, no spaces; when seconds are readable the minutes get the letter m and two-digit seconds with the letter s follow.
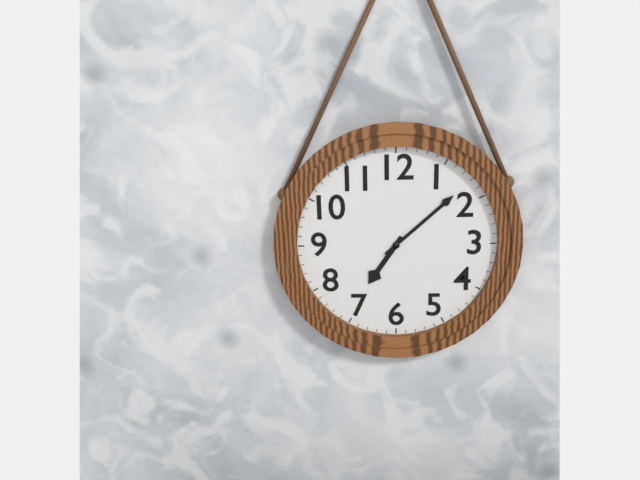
7h08
